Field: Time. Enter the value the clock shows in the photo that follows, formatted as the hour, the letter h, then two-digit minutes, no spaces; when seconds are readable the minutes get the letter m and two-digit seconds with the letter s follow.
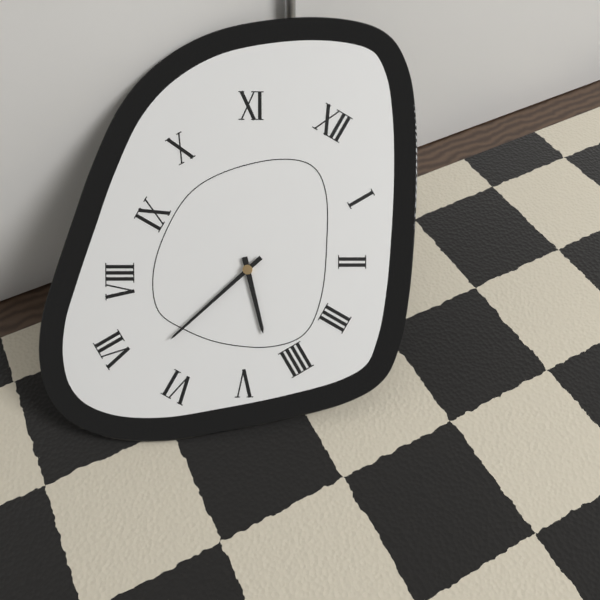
4h33
